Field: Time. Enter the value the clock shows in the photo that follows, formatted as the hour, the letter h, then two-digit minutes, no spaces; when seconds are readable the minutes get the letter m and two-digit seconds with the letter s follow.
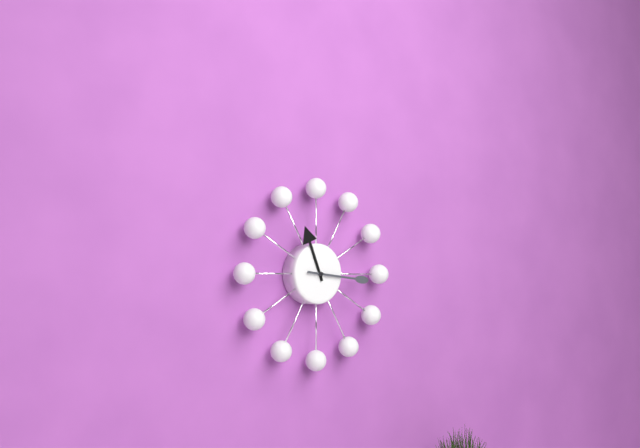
11h16
